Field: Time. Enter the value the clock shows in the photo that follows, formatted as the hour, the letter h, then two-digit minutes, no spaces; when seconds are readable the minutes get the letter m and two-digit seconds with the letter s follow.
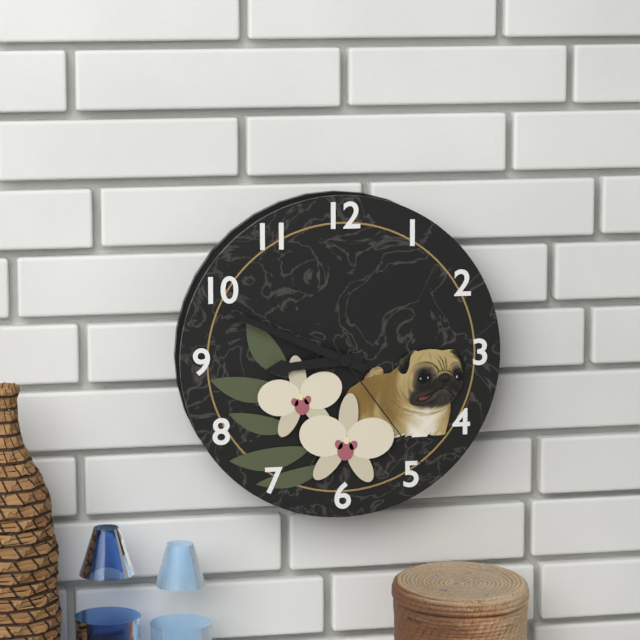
8h49m24s
